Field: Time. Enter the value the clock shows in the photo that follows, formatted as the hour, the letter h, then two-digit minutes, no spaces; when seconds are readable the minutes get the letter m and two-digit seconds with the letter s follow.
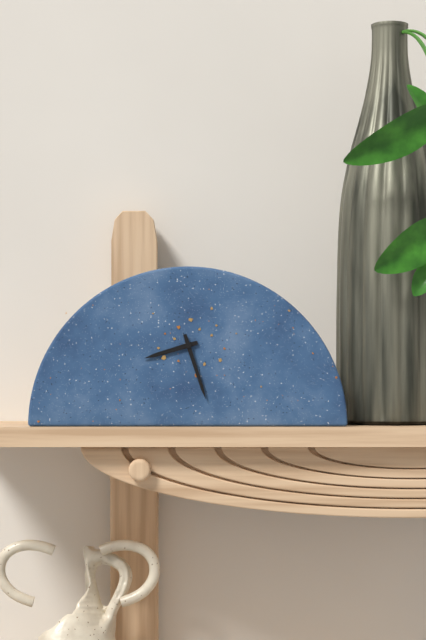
8h27
